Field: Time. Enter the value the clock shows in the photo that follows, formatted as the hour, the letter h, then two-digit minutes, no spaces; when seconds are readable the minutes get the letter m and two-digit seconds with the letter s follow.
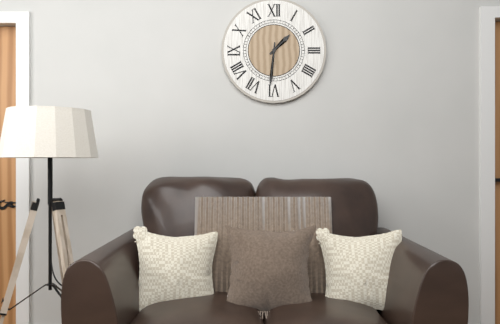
1h31
